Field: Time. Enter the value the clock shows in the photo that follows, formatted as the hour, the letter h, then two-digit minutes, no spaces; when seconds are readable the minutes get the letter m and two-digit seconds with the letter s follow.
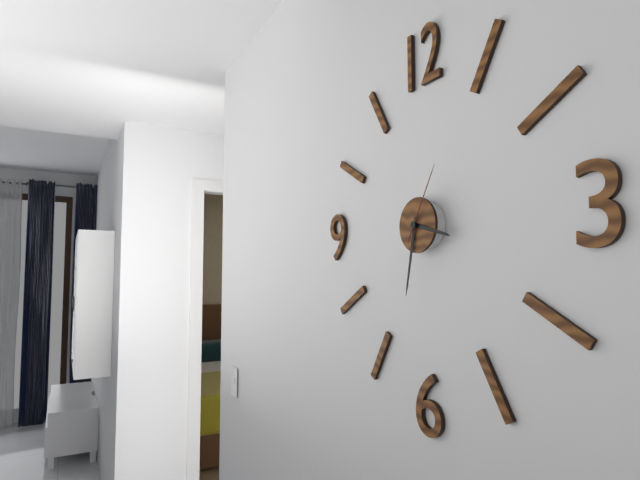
3h32m05s
